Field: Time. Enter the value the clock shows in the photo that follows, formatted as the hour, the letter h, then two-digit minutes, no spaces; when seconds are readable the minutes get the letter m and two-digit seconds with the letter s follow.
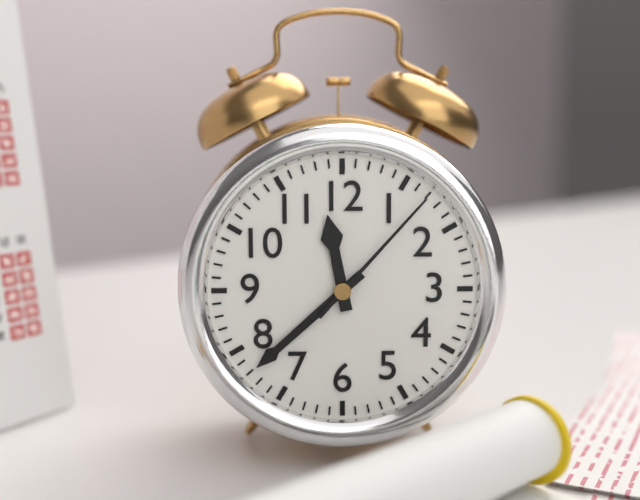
11h38m07s
